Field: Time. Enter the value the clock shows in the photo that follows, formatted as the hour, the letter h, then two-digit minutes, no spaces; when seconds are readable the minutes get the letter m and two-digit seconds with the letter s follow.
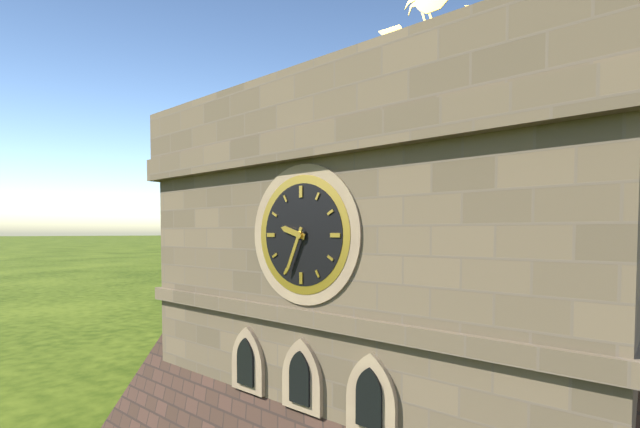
9h34
